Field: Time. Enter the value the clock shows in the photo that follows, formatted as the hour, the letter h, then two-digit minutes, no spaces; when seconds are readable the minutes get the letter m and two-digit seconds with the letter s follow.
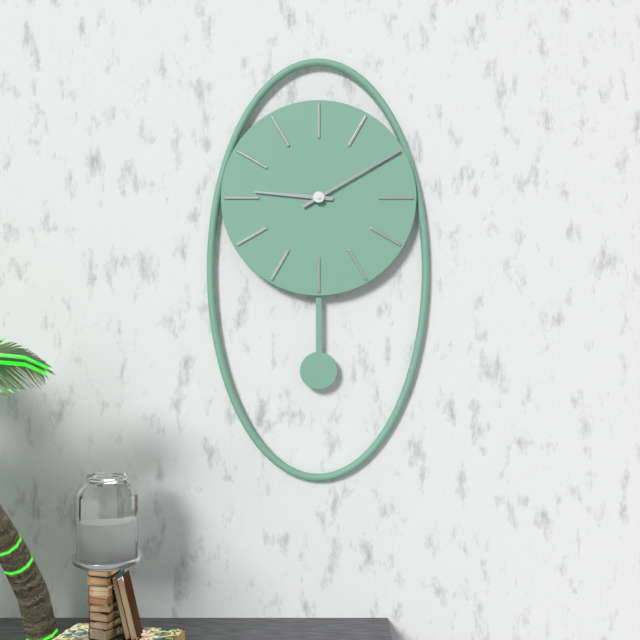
9h10
